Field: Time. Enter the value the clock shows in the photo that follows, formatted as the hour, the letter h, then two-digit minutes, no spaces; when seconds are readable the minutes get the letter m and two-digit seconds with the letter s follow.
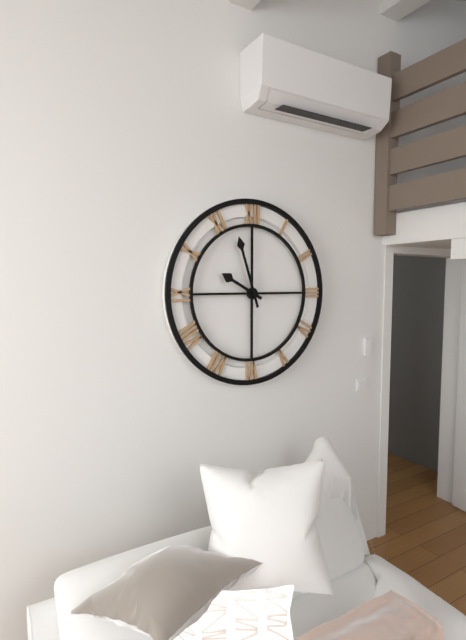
9h57
